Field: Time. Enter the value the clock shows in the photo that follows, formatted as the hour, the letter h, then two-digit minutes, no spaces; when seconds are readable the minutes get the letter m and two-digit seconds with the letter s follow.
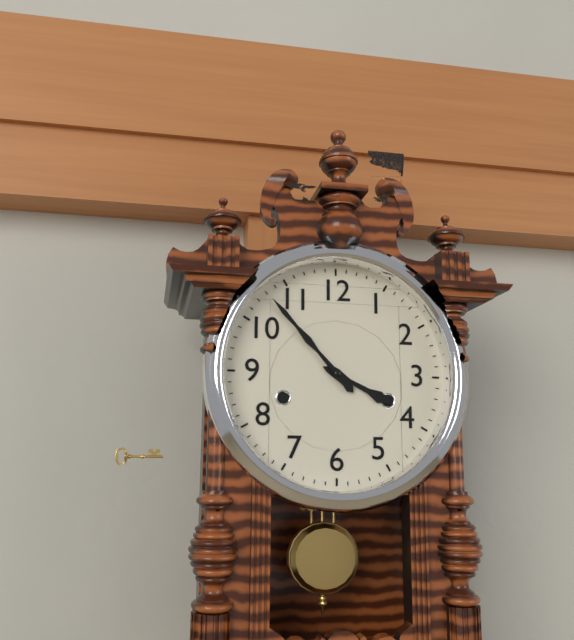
3h53
